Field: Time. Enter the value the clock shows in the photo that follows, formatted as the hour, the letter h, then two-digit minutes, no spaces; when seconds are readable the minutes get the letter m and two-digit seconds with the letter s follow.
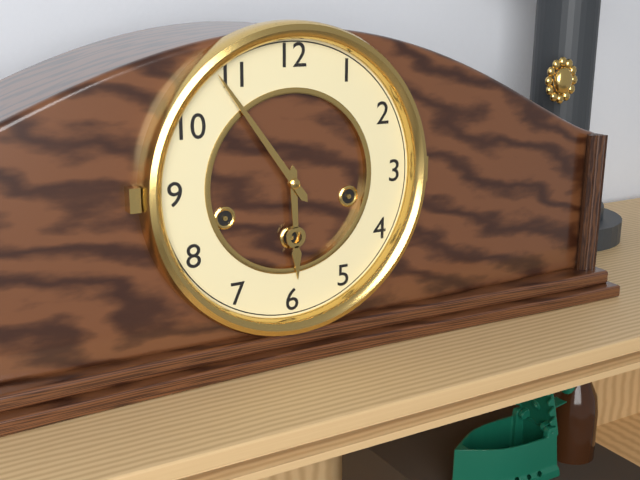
5h54
